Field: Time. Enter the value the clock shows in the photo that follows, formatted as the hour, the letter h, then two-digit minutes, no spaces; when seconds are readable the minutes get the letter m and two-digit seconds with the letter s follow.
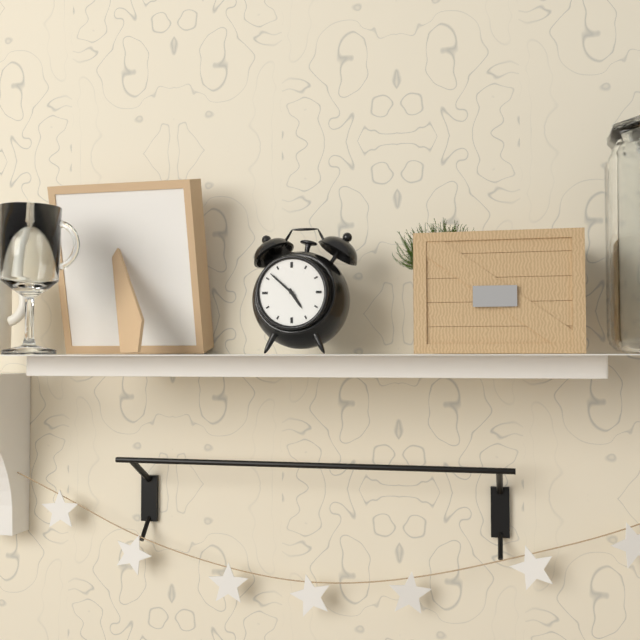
4h52
